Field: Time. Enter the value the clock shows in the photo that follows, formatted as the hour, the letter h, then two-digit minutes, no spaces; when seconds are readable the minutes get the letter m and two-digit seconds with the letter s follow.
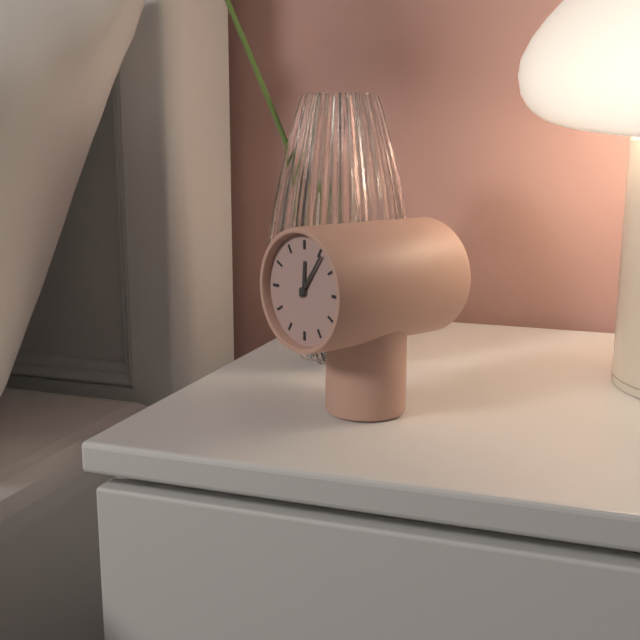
12h06
